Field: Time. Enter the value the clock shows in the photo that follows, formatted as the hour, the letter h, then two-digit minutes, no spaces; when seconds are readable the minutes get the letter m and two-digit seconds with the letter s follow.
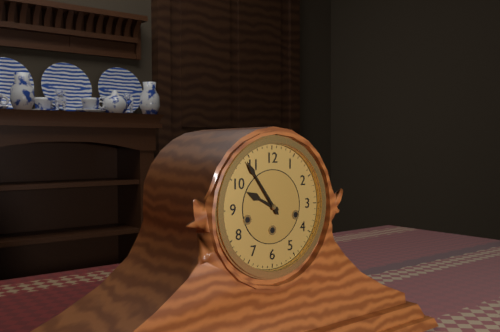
9h54
